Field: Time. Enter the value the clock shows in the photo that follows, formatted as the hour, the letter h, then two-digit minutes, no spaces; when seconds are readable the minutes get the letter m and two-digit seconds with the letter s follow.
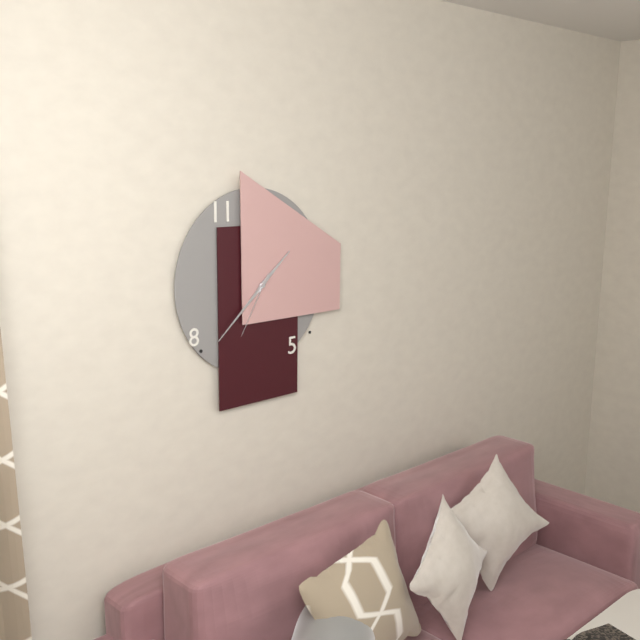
1h38m35s
